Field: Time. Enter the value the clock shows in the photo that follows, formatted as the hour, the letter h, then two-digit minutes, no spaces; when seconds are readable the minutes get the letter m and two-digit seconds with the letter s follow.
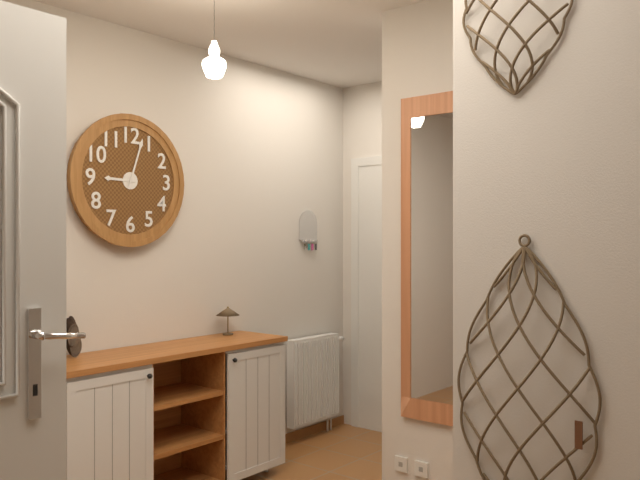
9h03
